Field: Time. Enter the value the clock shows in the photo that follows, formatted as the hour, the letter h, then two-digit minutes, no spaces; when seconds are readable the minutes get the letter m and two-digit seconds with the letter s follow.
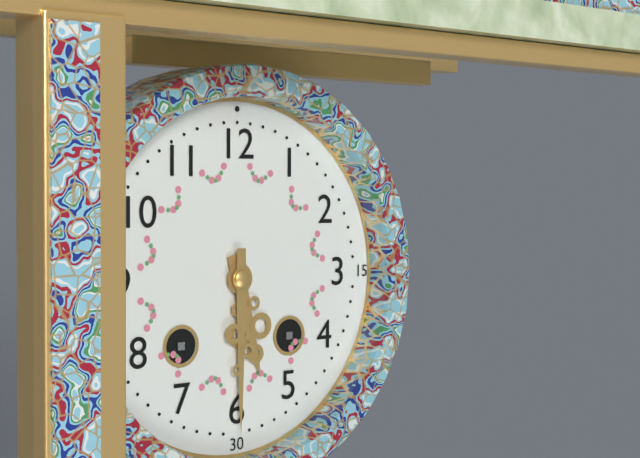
5h30
